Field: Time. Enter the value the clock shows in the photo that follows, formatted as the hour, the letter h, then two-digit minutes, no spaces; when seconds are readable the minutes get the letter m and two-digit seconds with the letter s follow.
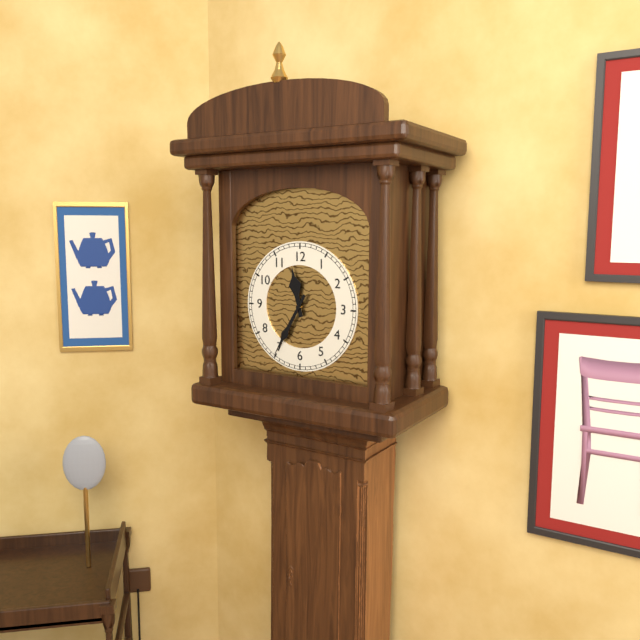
11h35
